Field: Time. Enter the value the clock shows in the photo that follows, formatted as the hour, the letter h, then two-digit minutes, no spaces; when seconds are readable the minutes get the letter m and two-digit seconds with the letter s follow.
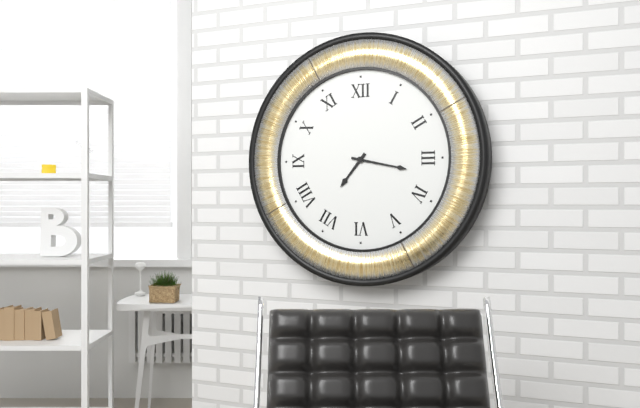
7h17
